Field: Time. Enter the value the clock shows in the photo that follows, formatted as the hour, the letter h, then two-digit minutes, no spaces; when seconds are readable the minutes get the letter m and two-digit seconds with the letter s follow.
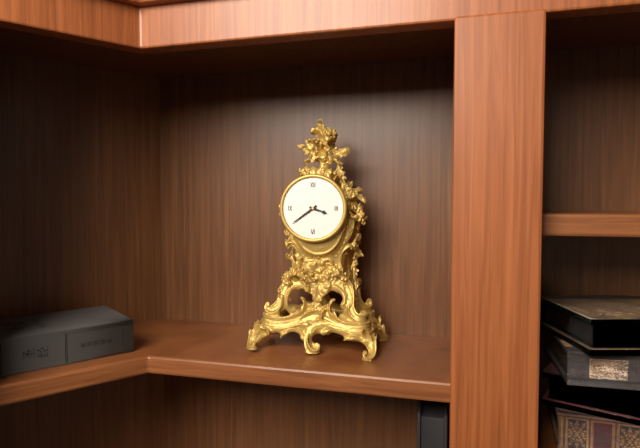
3h39
